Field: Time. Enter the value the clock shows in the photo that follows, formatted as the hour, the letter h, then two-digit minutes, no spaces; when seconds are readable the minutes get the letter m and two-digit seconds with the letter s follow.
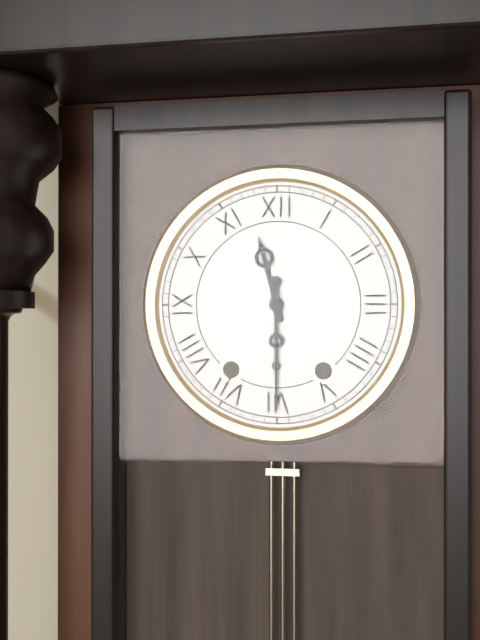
11h30
